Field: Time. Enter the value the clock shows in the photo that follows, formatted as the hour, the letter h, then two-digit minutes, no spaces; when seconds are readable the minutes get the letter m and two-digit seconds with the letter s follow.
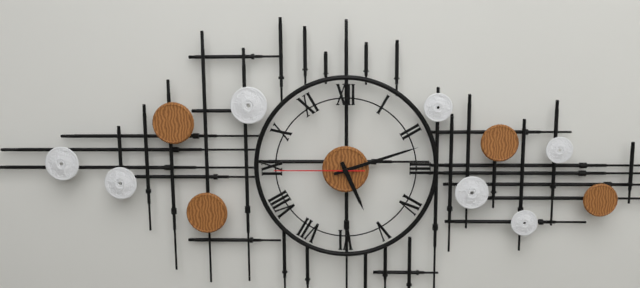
5h12m45s
